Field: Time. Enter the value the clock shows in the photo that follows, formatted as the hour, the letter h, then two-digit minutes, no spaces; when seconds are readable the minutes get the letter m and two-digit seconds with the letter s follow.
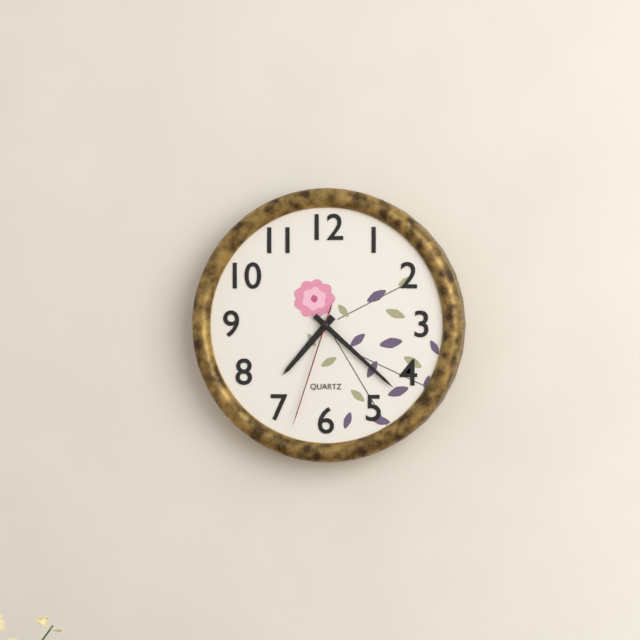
7h22m33s
